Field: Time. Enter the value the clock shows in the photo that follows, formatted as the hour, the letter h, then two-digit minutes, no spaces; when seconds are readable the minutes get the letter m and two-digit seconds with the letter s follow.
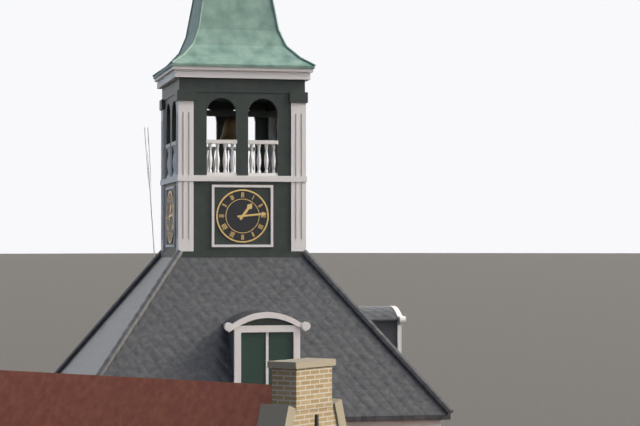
1h14
